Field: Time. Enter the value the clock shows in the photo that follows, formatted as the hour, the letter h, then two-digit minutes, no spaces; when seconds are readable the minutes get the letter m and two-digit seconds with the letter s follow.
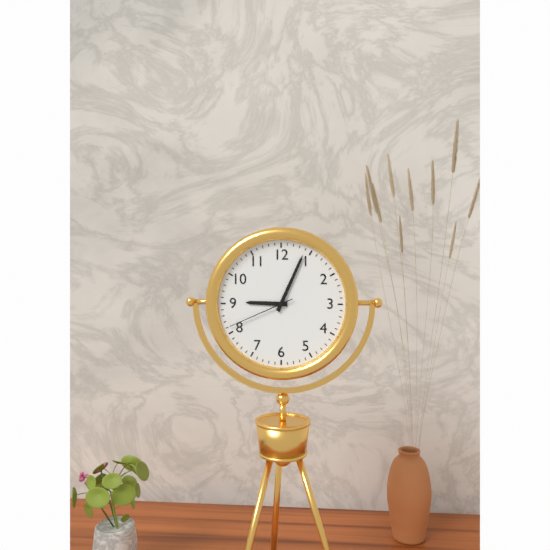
9h04m41s
